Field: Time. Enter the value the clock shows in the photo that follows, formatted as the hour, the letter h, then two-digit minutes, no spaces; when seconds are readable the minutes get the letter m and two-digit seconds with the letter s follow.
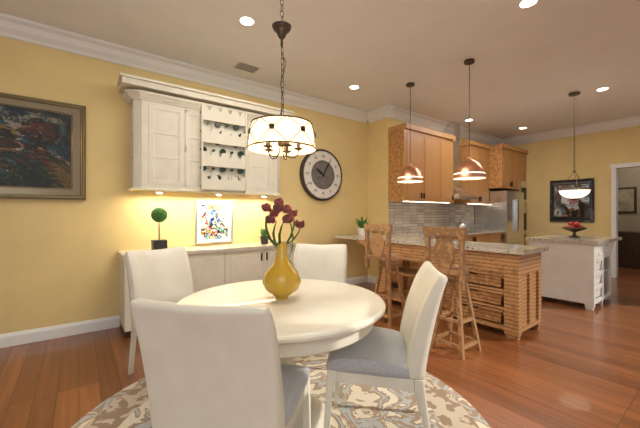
10h05
